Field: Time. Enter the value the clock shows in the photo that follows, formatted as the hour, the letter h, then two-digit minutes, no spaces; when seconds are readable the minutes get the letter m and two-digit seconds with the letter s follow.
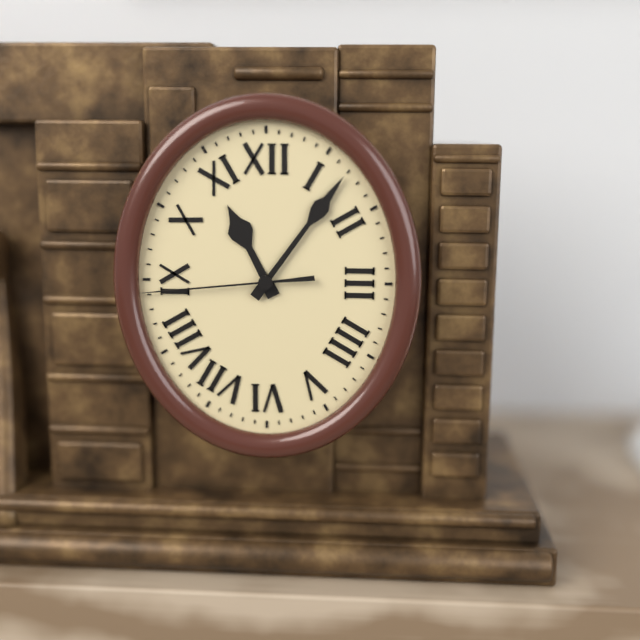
11h06m44s
